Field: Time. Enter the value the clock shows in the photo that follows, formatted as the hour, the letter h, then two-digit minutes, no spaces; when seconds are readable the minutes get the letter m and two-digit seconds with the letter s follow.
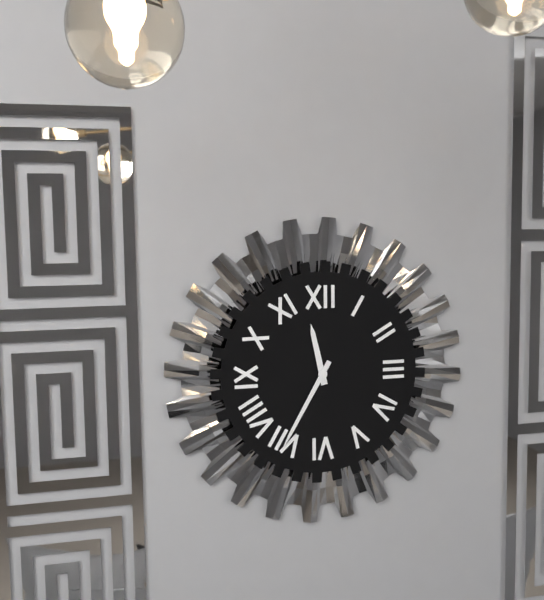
11h35
